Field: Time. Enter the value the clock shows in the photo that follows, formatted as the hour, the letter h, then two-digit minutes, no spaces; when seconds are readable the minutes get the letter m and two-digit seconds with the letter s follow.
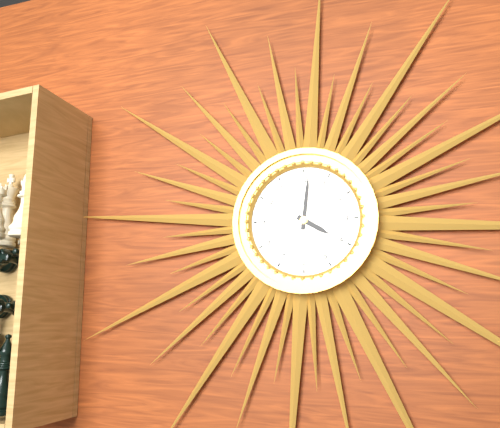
4h01
